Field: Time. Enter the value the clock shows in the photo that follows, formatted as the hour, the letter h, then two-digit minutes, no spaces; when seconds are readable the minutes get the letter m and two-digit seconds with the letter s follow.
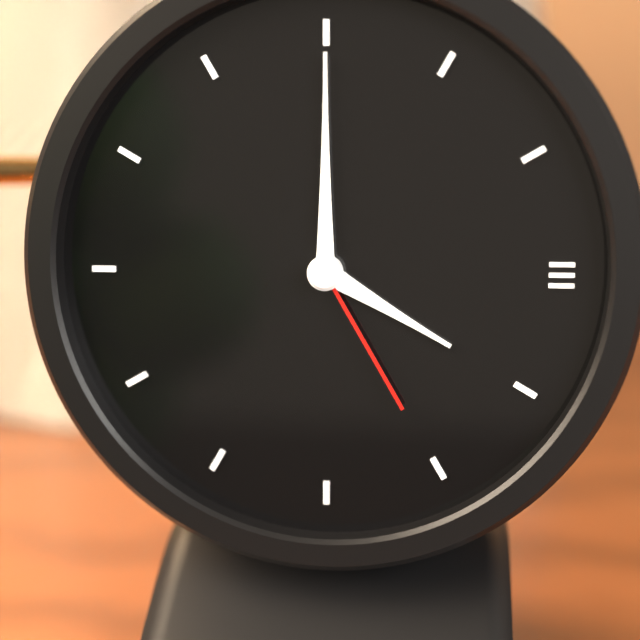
4h00m25s
